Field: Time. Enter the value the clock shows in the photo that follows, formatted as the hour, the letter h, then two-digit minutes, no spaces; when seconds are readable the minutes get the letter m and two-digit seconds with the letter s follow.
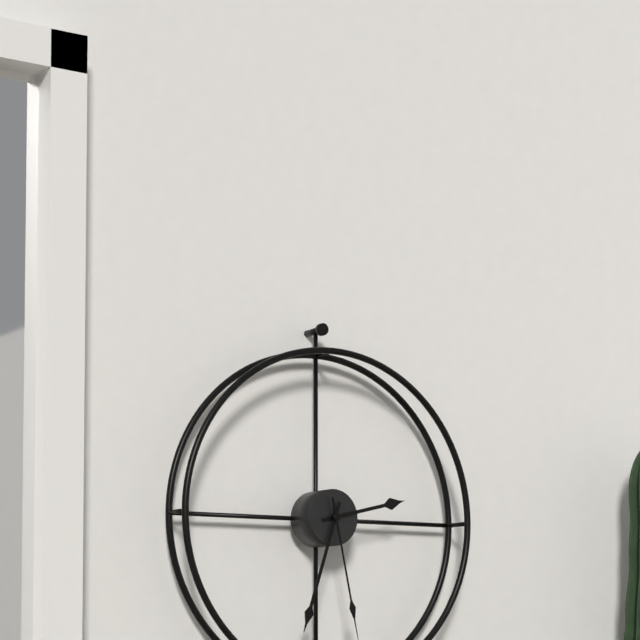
2h33
